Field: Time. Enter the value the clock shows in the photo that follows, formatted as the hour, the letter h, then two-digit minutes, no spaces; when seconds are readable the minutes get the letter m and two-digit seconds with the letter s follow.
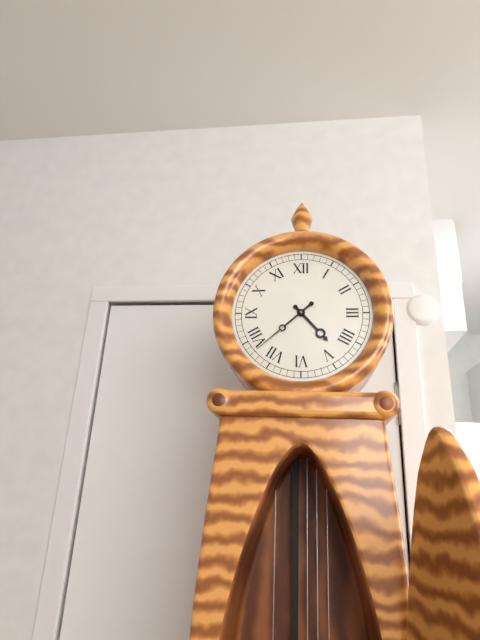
4h38
